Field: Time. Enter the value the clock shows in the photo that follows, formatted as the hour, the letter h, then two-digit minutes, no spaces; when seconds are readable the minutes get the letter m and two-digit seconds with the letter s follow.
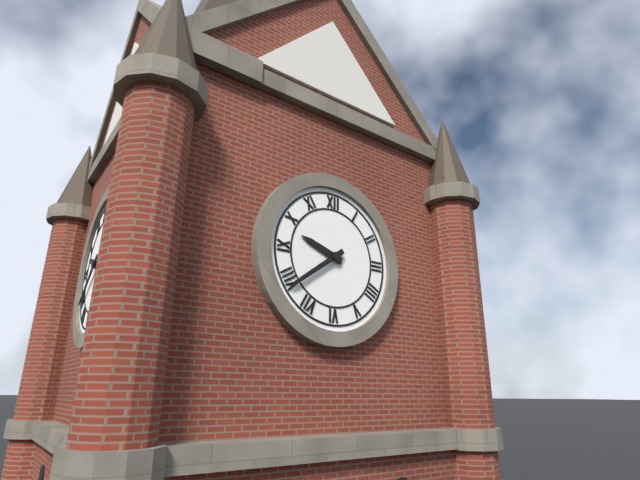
9h39
